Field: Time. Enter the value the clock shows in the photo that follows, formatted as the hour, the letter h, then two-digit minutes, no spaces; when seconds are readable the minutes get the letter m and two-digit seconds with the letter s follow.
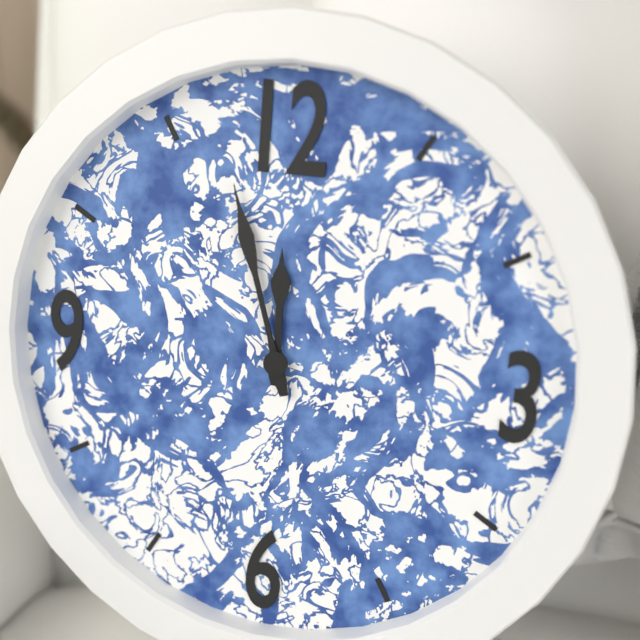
11h57
